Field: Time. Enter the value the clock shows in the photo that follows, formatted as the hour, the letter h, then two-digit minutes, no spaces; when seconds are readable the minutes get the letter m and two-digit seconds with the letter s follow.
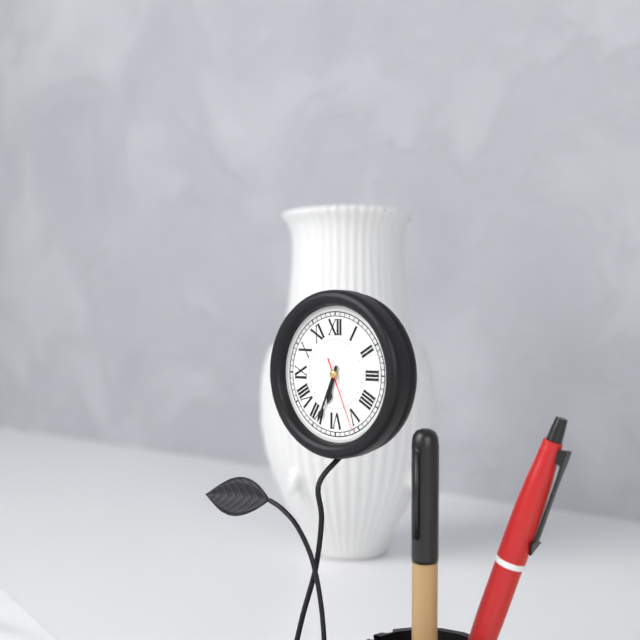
6h34m26s
